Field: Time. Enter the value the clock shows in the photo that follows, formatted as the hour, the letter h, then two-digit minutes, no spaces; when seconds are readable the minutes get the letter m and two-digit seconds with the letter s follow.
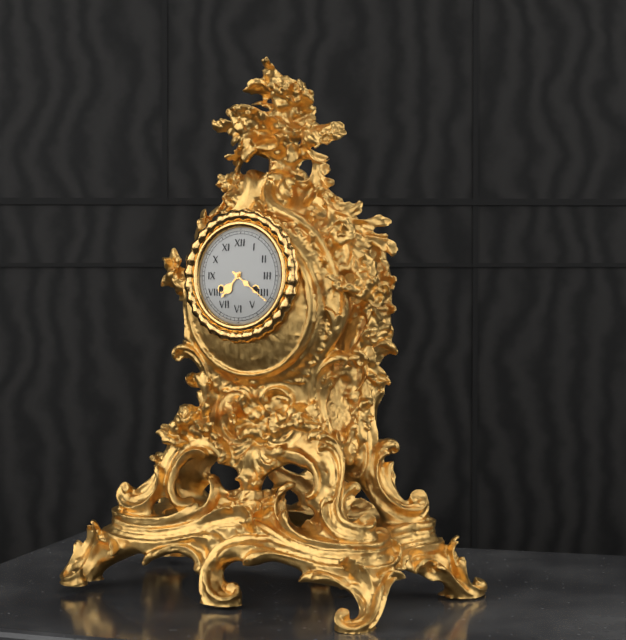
7h21
